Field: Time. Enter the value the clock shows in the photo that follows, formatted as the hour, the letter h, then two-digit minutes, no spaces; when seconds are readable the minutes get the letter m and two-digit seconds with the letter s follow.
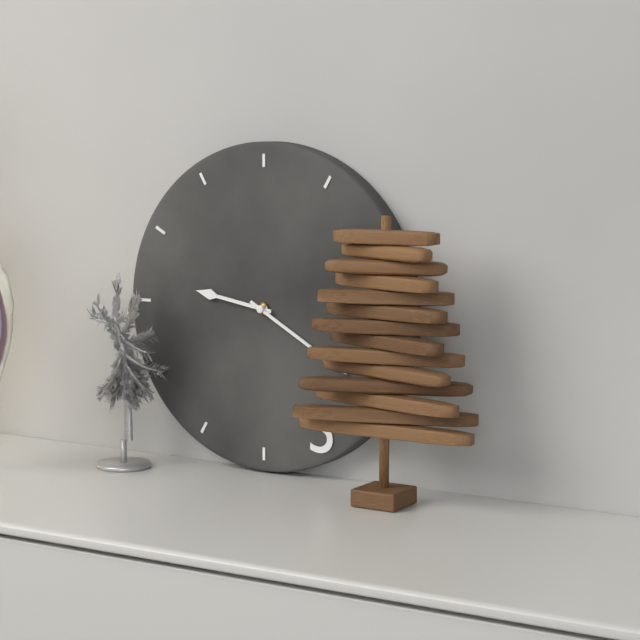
9h20
